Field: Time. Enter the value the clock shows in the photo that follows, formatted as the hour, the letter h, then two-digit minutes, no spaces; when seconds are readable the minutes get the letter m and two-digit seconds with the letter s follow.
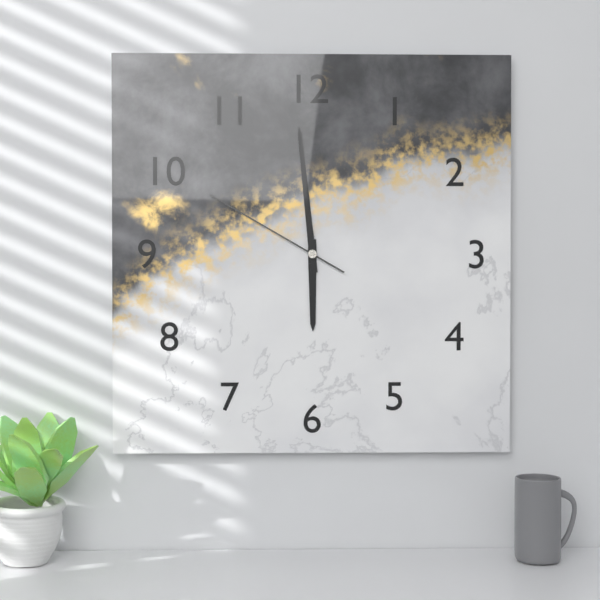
5h59m50s
